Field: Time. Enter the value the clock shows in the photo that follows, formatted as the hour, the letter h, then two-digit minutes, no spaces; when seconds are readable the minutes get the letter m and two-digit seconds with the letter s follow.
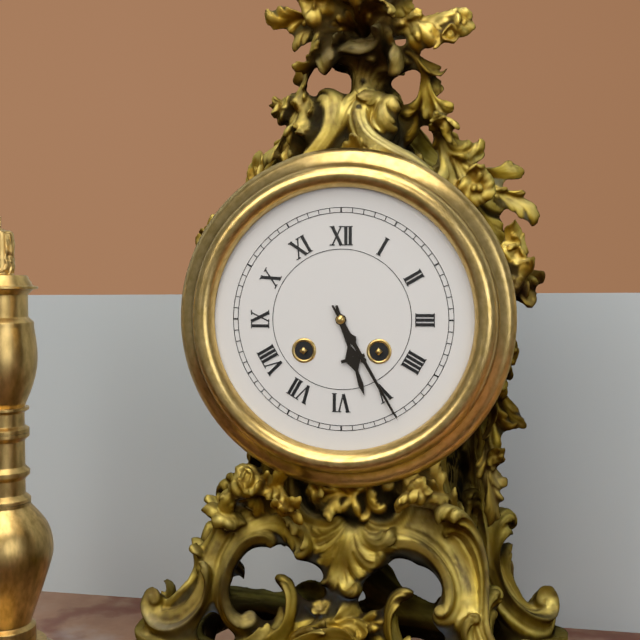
5h25
